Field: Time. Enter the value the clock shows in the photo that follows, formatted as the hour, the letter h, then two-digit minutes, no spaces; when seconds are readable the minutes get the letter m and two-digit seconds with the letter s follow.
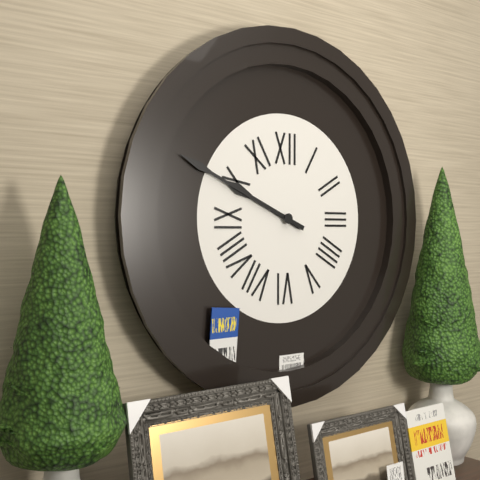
9h49
